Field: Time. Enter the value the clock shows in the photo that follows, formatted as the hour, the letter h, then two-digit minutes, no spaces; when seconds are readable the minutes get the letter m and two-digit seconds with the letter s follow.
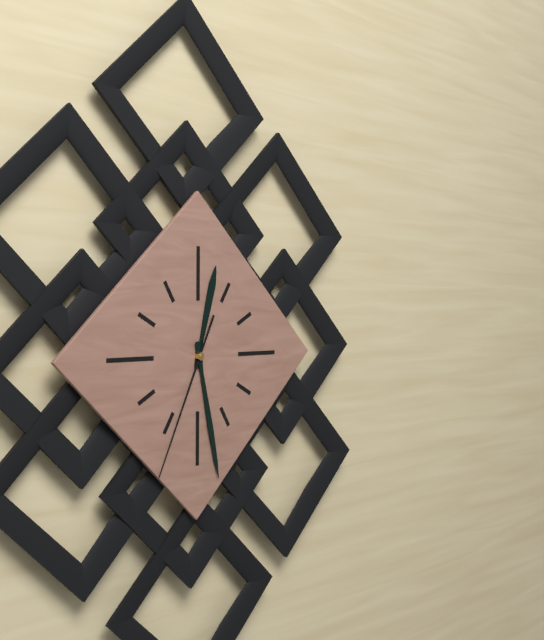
12h28m34s
